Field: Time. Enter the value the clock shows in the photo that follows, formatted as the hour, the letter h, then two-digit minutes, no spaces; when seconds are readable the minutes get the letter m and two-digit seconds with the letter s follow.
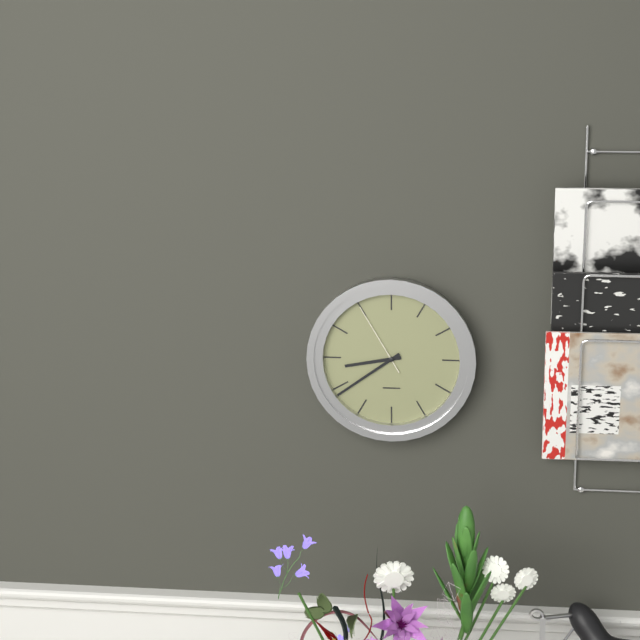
8h39m55s
